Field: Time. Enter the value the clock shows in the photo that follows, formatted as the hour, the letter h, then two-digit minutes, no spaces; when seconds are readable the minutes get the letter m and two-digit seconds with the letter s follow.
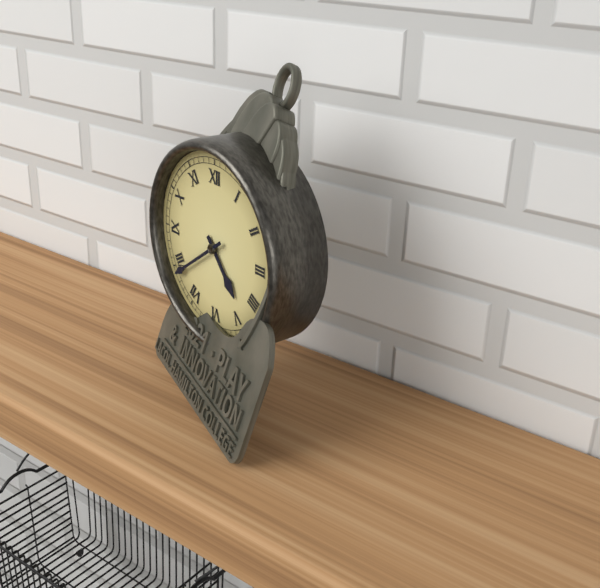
4h39
